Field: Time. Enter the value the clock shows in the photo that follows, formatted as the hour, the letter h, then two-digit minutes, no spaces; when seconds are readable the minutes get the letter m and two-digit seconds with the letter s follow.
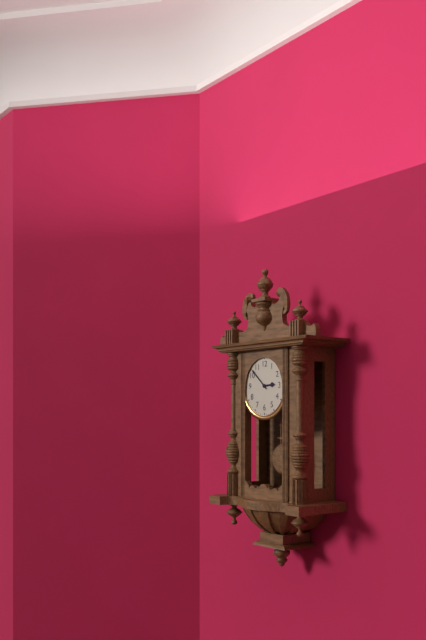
2h52
